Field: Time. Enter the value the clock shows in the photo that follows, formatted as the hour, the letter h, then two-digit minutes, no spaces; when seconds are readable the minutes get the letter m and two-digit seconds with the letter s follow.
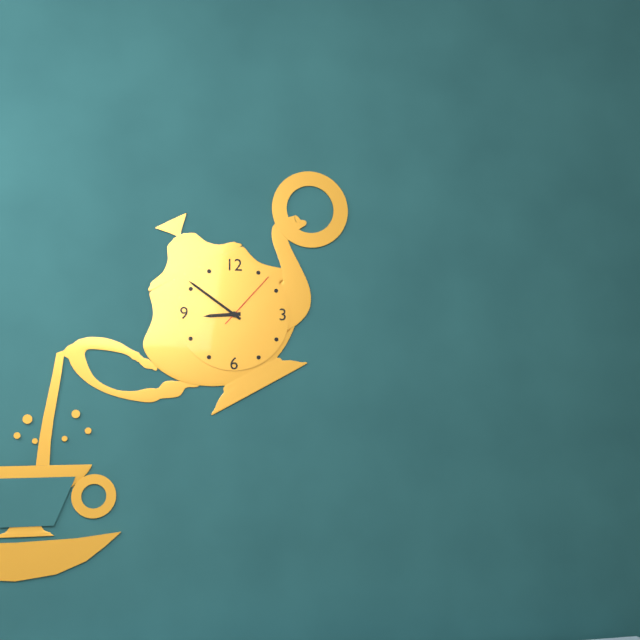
8h51m07s
